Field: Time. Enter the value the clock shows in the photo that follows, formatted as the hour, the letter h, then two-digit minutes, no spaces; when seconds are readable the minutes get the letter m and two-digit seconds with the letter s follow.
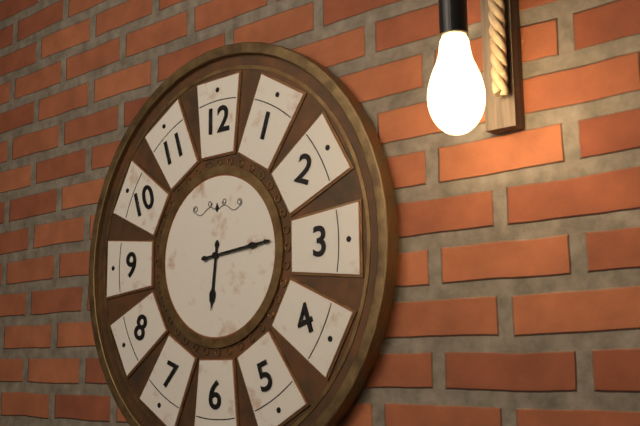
6h14
